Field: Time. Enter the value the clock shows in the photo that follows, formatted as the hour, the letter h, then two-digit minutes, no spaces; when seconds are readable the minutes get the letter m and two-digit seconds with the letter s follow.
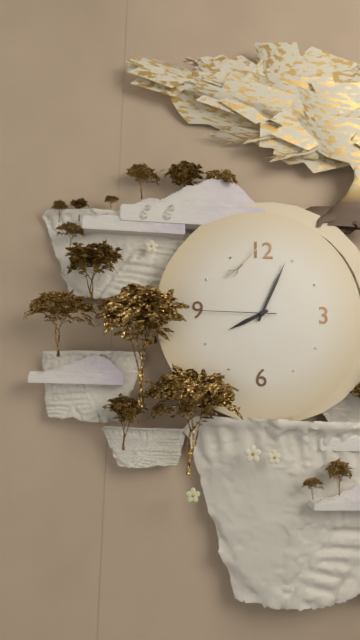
8h04m45s
